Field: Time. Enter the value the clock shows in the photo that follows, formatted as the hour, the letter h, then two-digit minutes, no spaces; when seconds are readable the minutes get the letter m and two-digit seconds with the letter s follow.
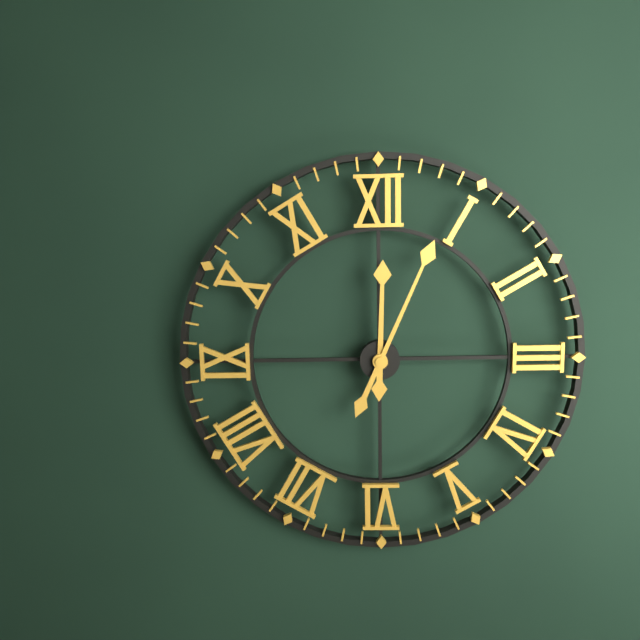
12h04
